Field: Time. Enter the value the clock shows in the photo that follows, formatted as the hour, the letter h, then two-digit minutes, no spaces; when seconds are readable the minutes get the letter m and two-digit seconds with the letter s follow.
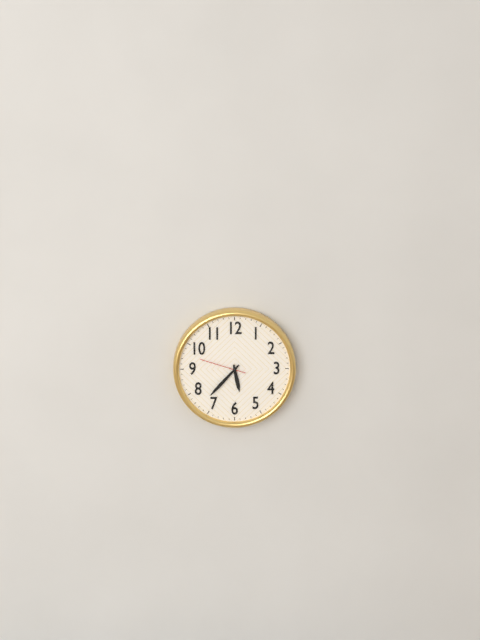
5h37
